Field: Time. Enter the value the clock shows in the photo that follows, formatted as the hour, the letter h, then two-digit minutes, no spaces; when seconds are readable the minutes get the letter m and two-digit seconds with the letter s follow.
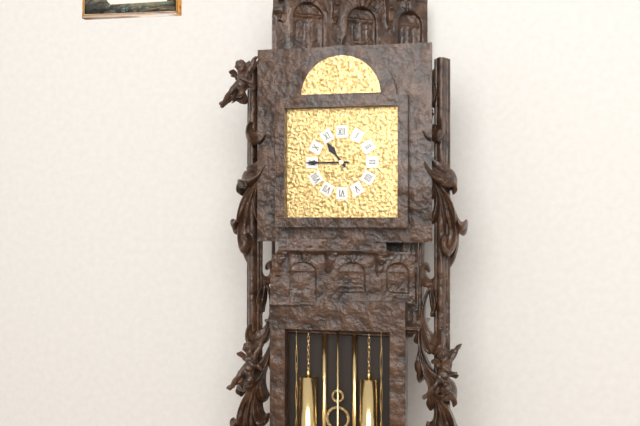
10h45
